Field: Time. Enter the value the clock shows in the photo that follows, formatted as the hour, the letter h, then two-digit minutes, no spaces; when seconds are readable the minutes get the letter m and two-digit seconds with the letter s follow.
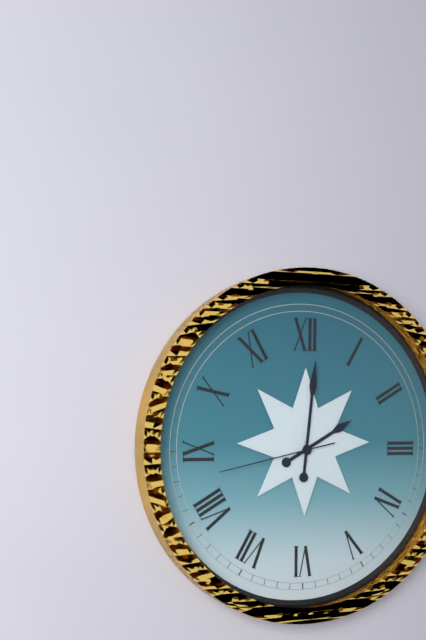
2h01m43s
